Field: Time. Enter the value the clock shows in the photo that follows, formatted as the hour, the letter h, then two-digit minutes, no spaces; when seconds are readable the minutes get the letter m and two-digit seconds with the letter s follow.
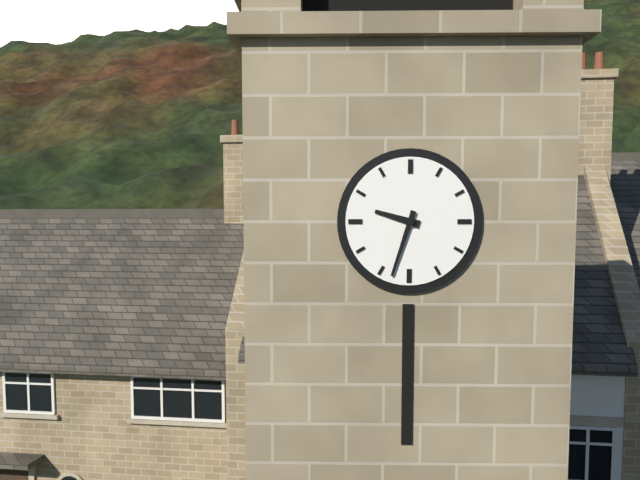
9h33
